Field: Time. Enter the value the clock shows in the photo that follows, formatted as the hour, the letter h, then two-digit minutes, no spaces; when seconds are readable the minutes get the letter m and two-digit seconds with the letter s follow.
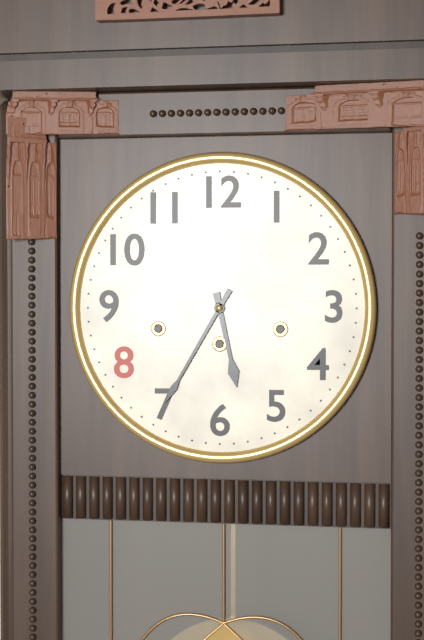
5h35
